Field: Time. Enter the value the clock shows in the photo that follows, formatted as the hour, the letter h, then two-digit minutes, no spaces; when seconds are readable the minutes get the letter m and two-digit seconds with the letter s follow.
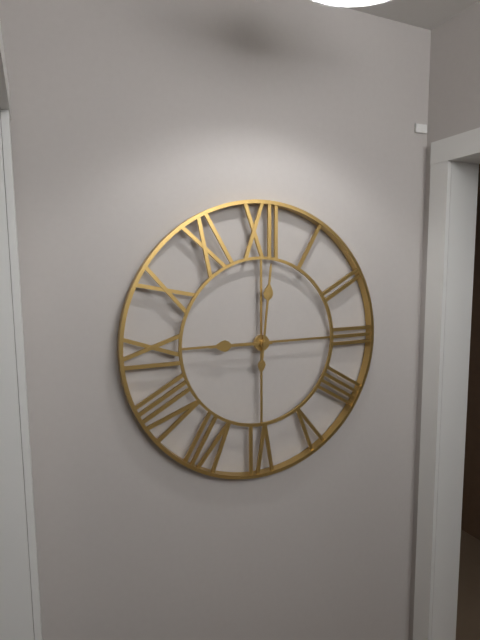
9h01
